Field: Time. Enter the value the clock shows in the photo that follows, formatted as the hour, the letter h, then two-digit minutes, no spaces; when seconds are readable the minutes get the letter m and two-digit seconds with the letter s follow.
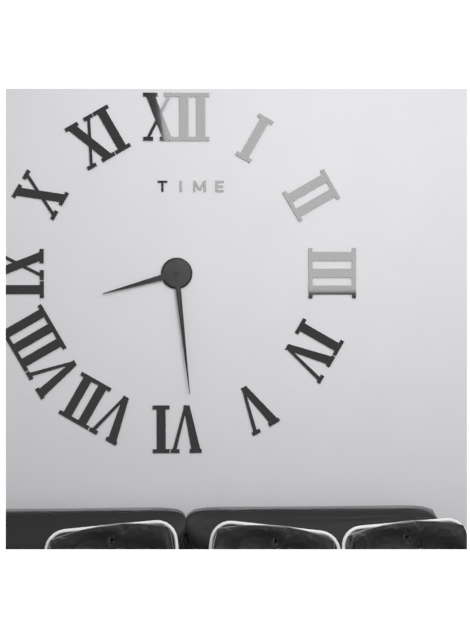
8h29
